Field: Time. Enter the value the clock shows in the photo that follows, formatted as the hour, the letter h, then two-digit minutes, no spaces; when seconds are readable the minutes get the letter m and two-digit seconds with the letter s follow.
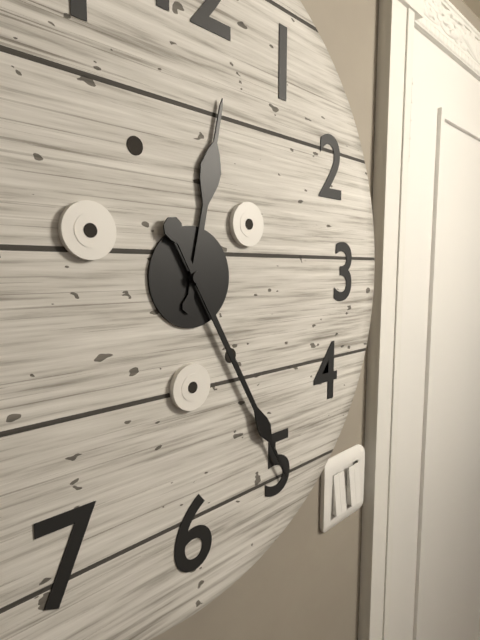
12h25
